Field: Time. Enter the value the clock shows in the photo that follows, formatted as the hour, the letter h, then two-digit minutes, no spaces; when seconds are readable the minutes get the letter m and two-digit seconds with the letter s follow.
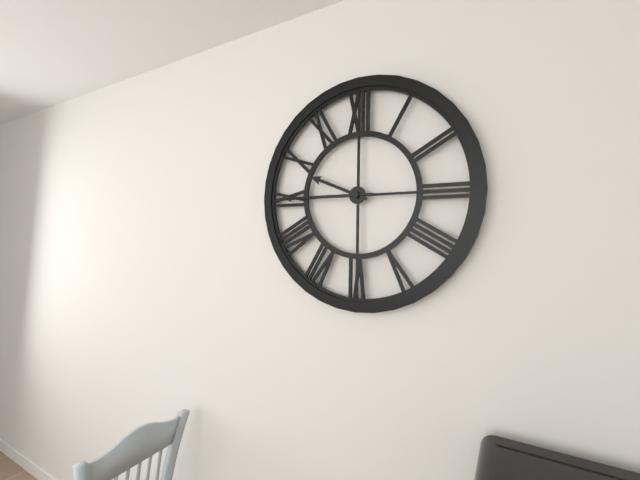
9h45
